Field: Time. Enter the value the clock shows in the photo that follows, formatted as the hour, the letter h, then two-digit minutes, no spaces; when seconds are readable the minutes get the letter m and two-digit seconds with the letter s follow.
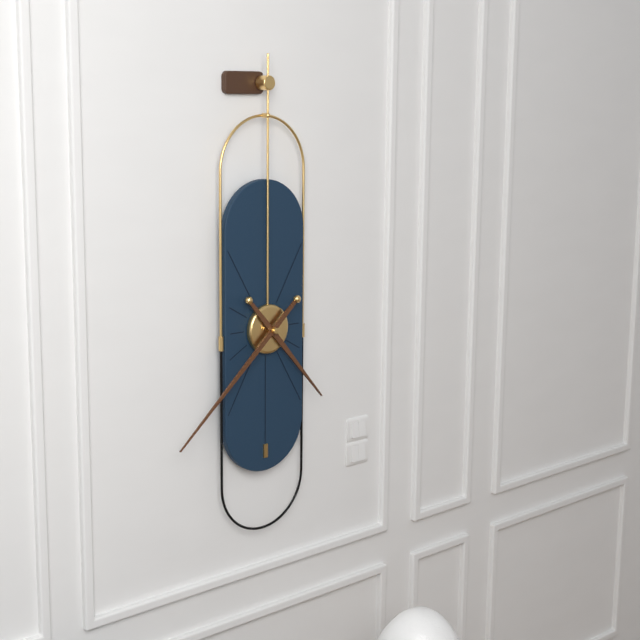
4h38
